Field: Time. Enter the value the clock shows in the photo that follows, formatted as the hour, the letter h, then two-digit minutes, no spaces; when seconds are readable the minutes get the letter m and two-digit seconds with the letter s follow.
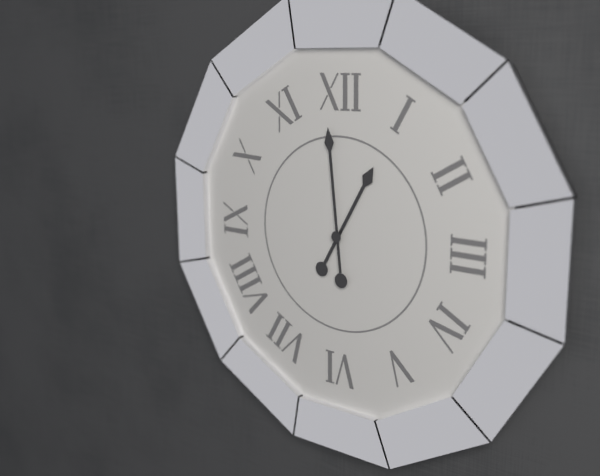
12h59
